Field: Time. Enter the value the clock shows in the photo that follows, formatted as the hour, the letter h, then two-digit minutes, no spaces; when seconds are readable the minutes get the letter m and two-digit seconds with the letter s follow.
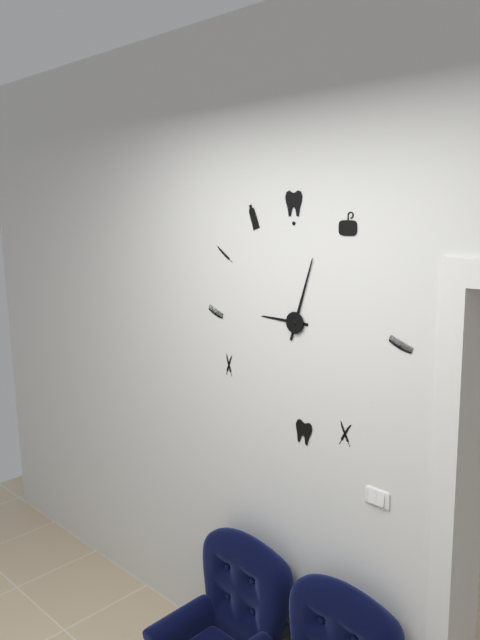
9h03
